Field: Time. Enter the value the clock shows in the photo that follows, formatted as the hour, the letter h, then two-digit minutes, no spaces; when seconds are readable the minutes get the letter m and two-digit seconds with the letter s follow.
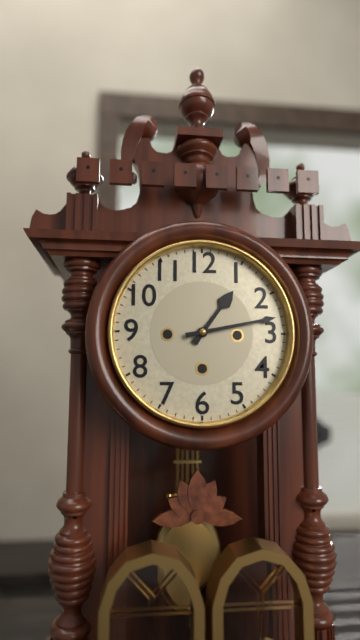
1h13
